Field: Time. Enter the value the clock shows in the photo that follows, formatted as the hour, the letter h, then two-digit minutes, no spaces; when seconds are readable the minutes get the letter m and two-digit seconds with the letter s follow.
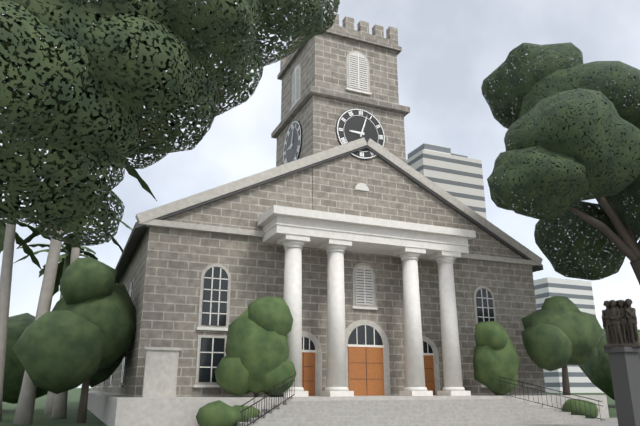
9h03
